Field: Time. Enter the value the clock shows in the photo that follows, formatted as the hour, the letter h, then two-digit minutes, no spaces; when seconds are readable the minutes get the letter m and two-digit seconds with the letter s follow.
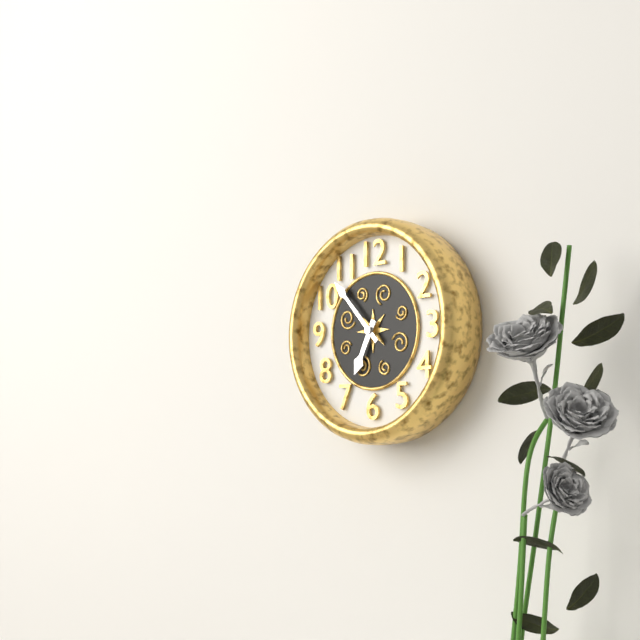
6h53
